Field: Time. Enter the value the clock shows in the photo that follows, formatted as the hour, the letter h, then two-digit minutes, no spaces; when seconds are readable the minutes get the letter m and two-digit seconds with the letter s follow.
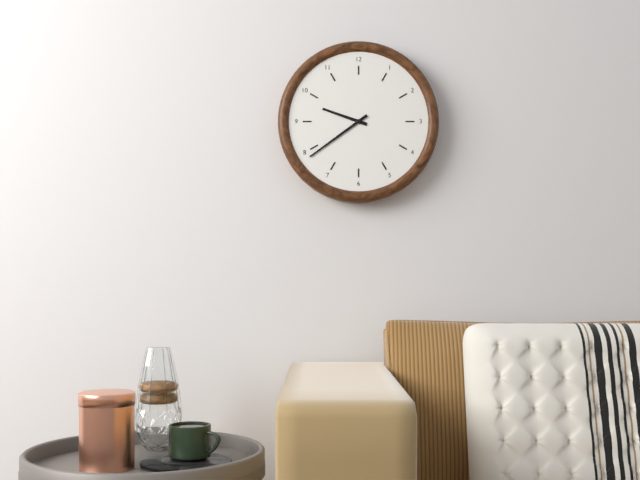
9h39
